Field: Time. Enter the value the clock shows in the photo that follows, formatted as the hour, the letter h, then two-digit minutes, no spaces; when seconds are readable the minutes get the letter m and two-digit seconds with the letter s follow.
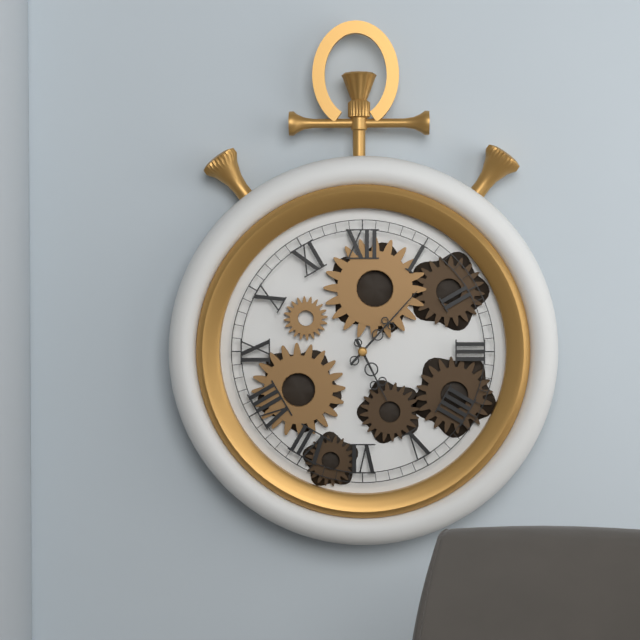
5h07
